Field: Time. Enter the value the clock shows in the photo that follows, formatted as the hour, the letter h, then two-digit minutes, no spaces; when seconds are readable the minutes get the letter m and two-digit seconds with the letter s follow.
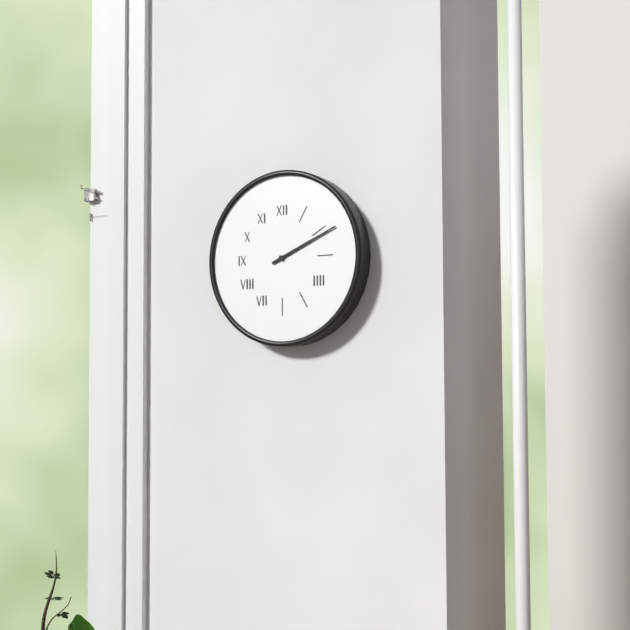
2h11
